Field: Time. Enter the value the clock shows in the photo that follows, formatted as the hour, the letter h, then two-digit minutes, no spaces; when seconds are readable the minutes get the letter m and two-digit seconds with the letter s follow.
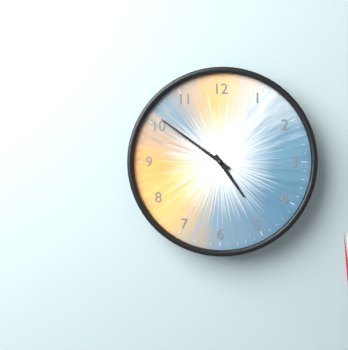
4h51
